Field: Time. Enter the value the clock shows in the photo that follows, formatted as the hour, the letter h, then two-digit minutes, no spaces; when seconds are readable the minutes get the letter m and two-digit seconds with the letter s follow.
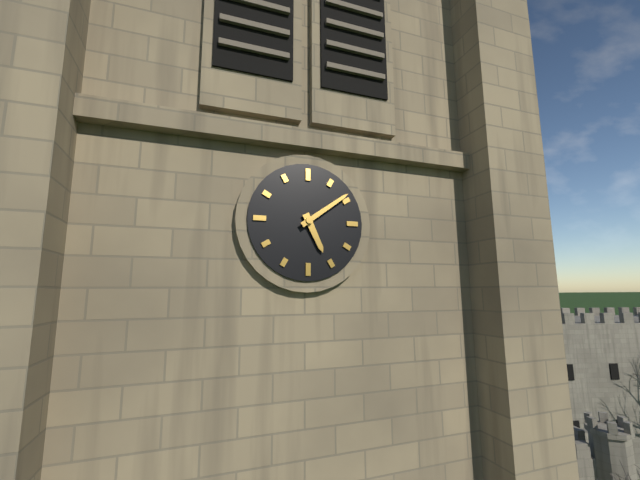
5h09
